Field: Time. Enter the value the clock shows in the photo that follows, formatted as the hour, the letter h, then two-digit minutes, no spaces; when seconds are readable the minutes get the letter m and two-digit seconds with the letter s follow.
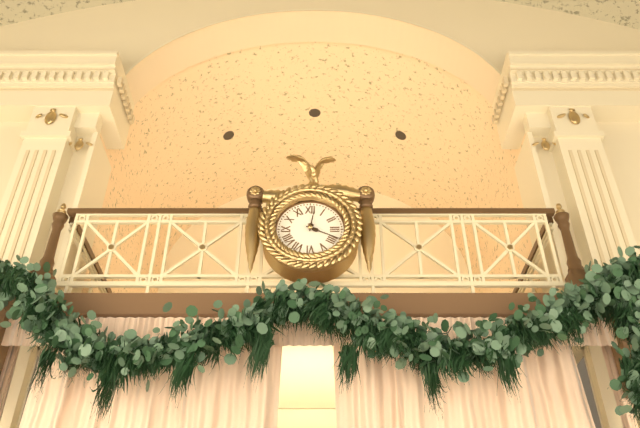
12h19
